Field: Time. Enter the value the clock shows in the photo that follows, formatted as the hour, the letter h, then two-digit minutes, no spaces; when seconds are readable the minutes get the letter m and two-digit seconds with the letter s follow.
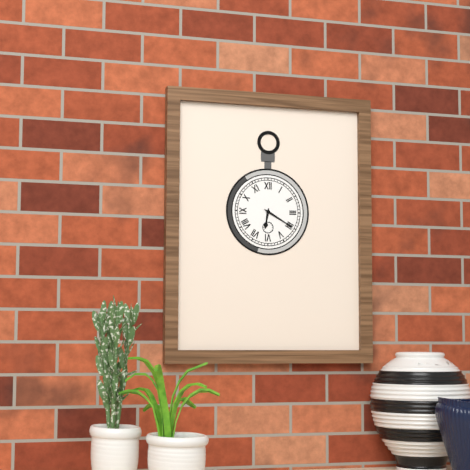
6h20
